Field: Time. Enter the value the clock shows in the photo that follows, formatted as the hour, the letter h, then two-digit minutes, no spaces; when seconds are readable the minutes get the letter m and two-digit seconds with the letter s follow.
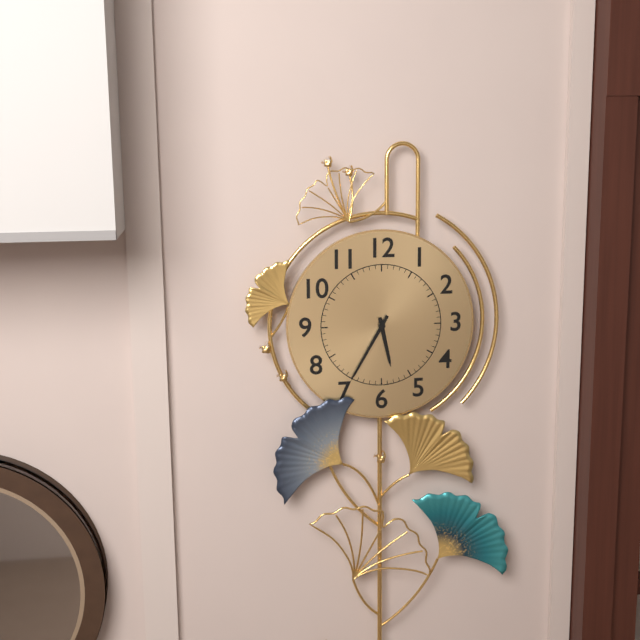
5h35
